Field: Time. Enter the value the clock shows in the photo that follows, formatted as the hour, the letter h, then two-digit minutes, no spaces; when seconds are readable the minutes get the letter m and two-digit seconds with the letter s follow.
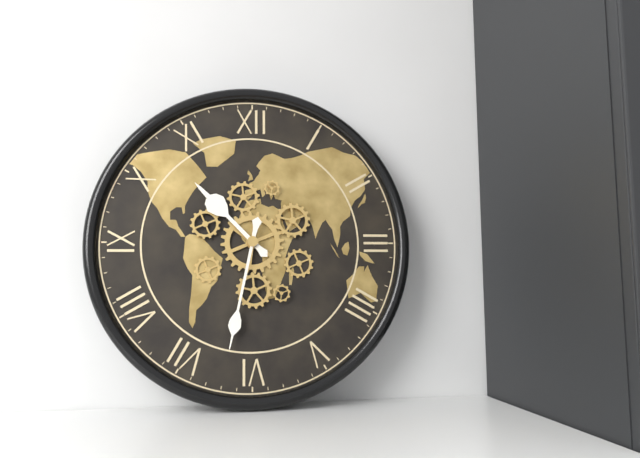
10h32
